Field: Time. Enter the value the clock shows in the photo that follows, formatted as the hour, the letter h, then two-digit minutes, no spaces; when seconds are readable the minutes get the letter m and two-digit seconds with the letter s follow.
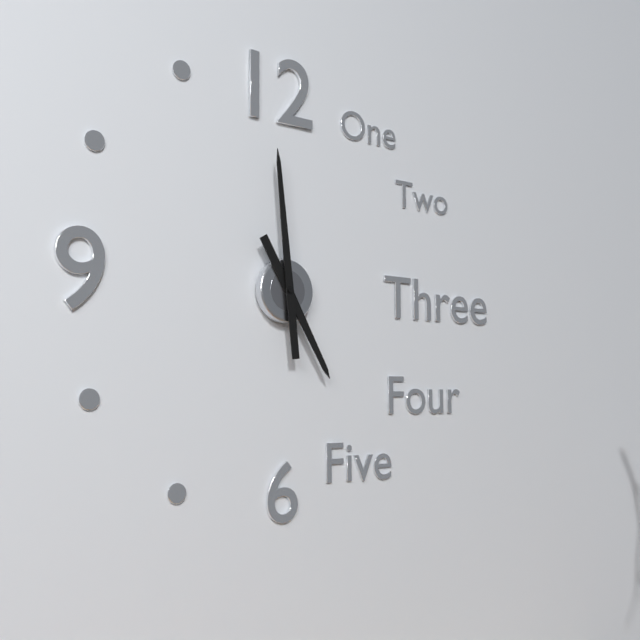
4h59
